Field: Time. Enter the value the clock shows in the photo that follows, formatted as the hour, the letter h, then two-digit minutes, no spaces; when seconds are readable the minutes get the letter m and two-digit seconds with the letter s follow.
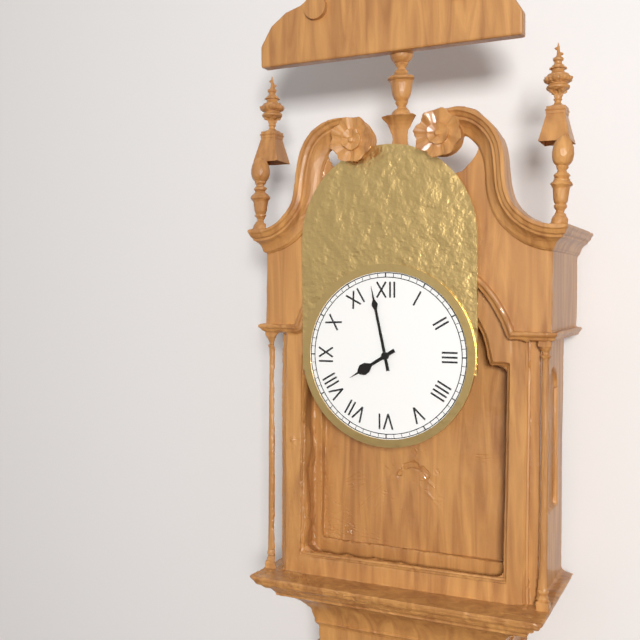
7h58
